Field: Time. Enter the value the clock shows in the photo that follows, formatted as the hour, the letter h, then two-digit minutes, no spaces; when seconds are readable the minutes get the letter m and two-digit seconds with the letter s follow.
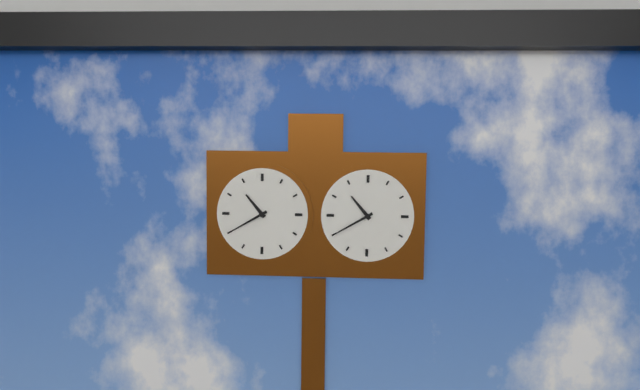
10h40
